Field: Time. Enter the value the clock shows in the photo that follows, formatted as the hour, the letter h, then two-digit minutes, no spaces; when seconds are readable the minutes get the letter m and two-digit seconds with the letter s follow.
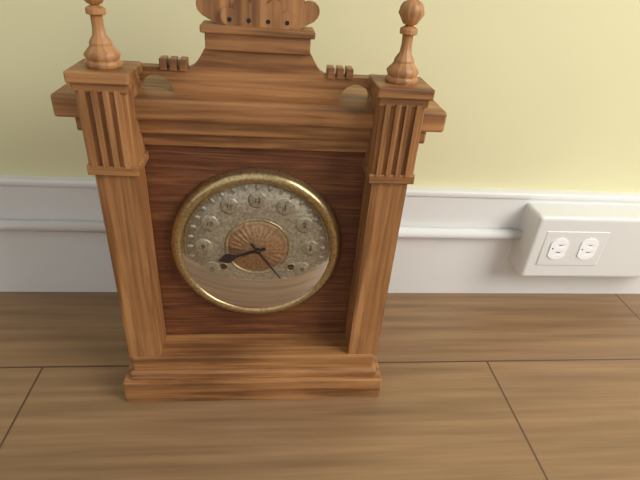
8h24
